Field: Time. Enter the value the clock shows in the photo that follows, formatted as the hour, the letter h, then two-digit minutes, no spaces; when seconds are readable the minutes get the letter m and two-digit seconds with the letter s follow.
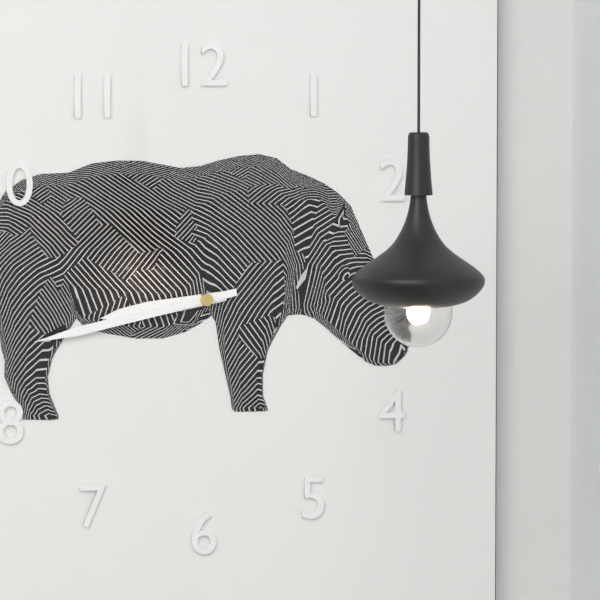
8h43
